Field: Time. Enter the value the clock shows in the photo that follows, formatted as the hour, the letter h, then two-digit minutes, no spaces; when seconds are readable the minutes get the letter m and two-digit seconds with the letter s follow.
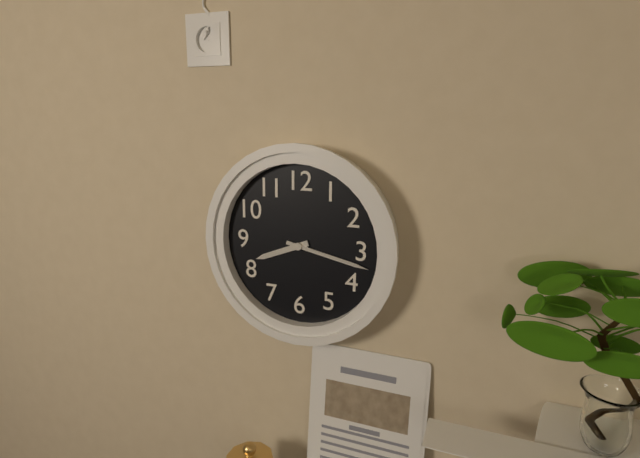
8h17
